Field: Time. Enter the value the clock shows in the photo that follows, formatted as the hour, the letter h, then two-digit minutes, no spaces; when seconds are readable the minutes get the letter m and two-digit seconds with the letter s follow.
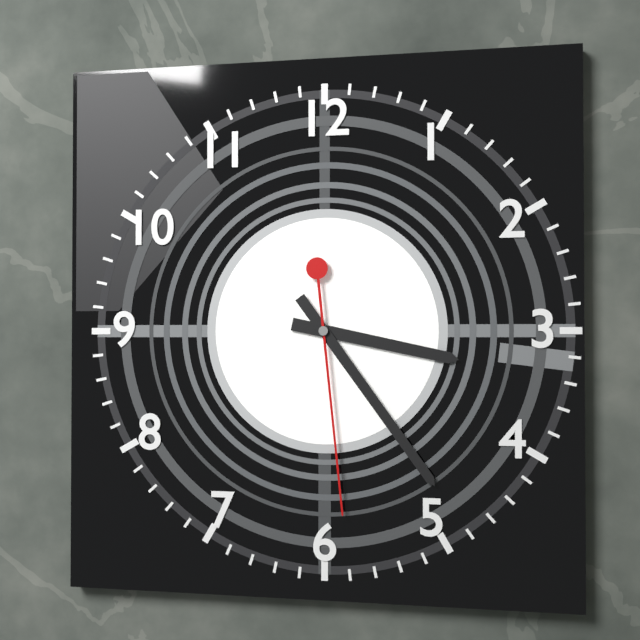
3h24m29s
